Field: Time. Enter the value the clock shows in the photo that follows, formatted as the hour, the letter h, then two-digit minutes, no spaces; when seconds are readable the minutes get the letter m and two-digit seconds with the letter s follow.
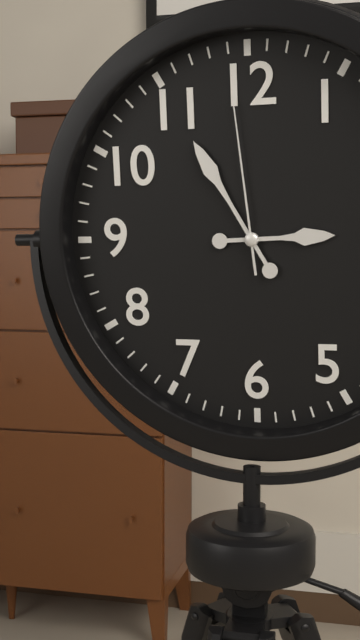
2h55m59s
